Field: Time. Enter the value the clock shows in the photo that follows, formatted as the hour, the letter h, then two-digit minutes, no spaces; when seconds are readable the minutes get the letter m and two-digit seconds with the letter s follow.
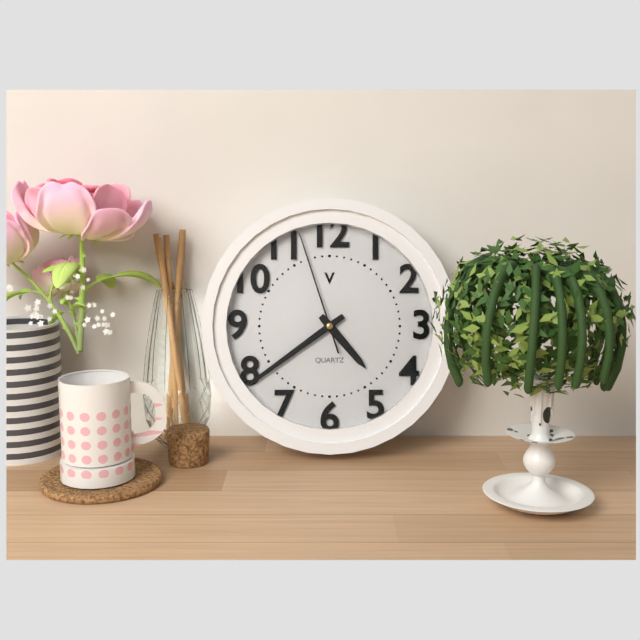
4h39m57s
